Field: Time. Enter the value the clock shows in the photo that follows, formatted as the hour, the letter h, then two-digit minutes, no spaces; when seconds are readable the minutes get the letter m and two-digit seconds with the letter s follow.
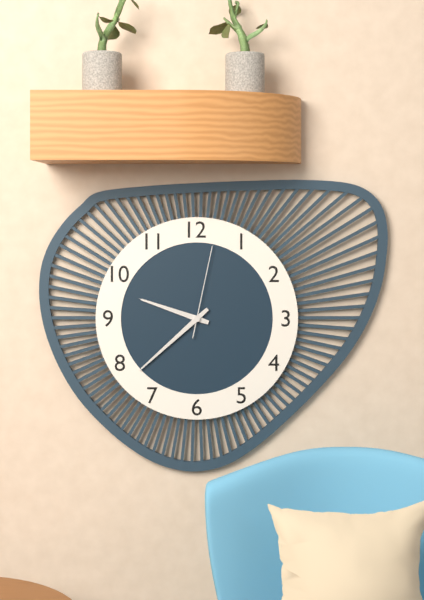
9h38m02s
